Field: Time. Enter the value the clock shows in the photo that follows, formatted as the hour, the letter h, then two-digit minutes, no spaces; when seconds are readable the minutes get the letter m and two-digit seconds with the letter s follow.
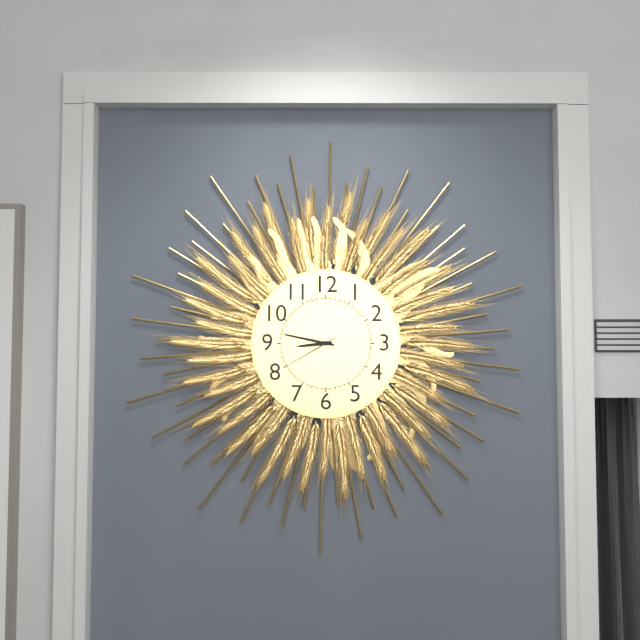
8h47m40s
